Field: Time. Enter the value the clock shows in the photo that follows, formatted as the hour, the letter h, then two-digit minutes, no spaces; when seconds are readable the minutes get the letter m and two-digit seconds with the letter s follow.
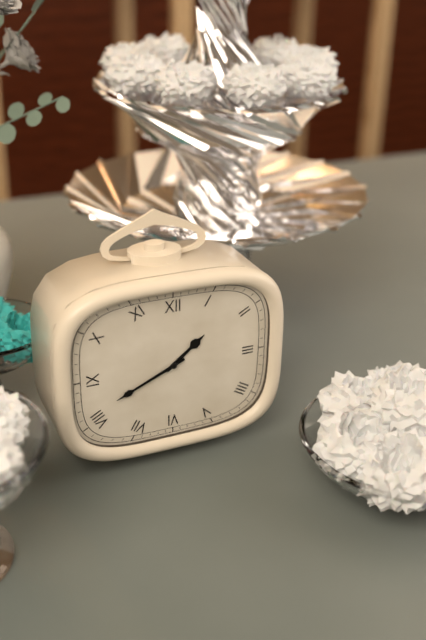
1h41
